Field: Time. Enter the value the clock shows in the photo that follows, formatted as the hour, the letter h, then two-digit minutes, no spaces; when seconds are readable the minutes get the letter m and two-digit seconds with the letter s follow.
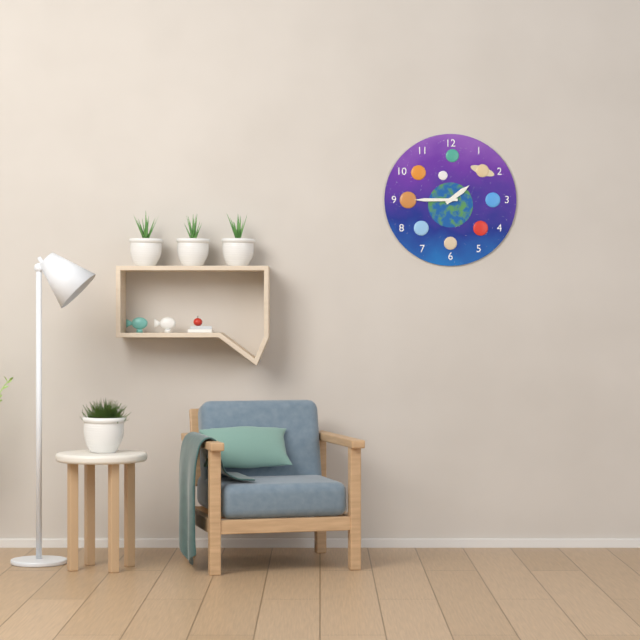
1h45
